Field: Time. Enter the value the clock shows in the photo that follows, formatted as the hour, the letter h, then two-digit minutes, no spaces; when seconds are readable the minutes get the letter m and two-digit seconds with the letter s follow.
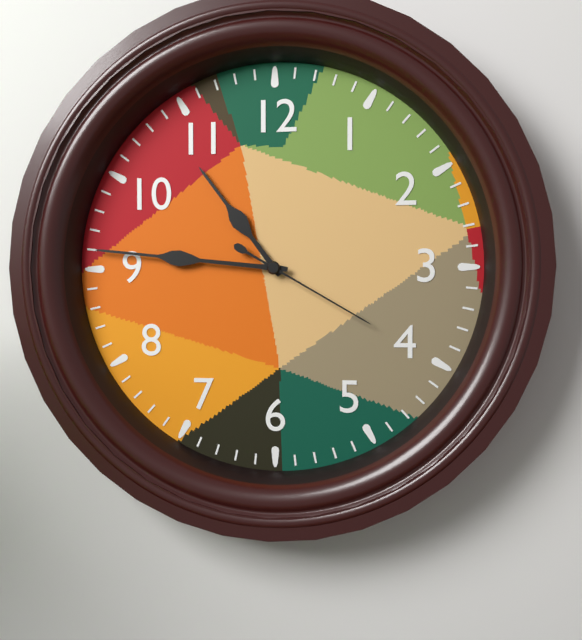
10h46m20s
